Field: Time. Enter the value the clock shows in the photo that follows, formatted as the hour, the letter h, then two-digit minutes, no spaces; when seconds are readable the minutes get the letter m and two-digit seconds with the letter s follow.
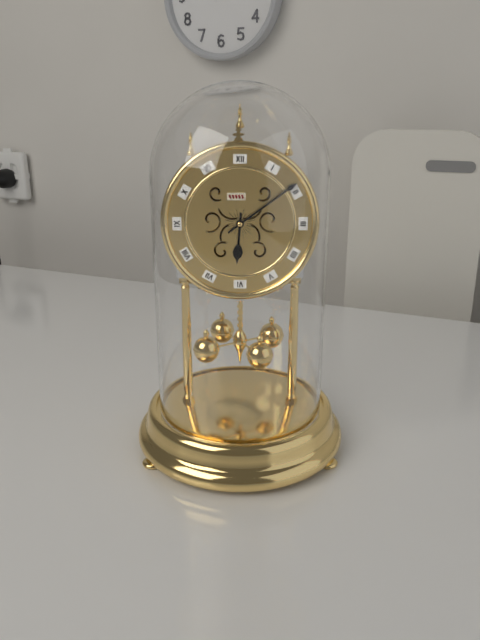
6h09
